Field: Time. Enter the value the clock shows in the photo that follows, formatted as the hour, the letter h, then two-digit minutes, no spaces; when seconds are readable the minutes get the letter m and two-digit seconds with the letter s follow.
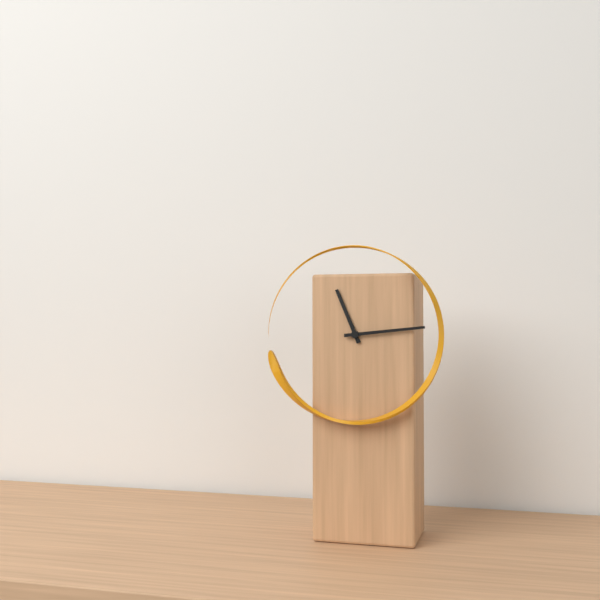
11h14
